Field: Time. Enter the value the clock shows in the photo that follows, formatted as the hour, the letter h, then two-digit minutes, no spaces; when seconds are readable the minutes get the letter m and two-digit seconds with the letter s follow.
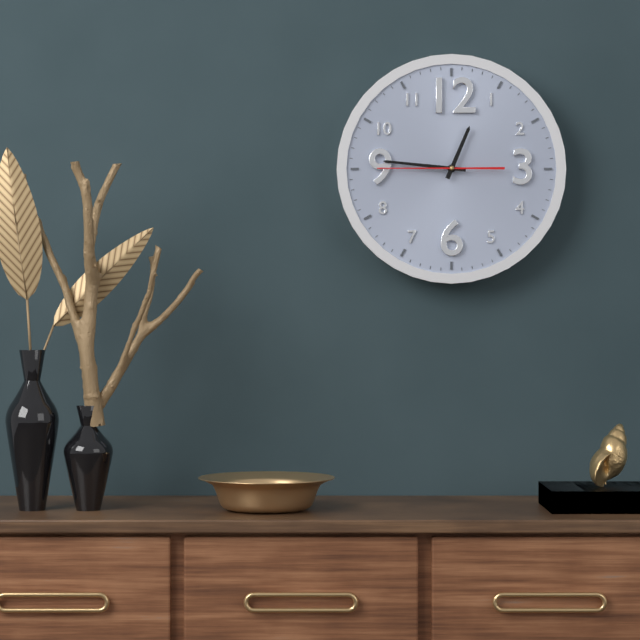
12h46m45s
